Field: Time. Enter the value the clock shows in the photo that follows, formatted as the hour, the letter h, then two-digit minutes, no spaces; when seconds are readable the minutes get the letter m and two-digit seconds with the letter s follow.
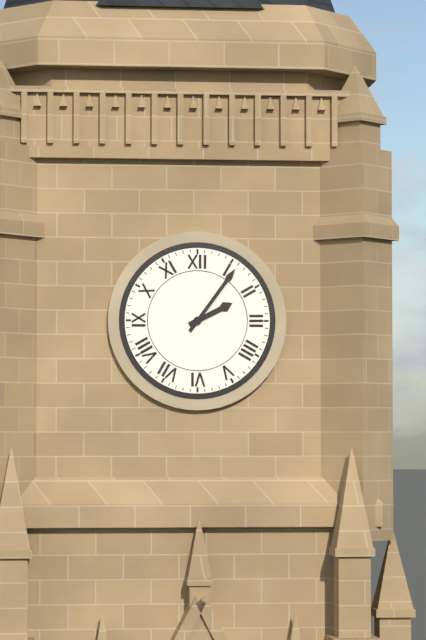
2h06
